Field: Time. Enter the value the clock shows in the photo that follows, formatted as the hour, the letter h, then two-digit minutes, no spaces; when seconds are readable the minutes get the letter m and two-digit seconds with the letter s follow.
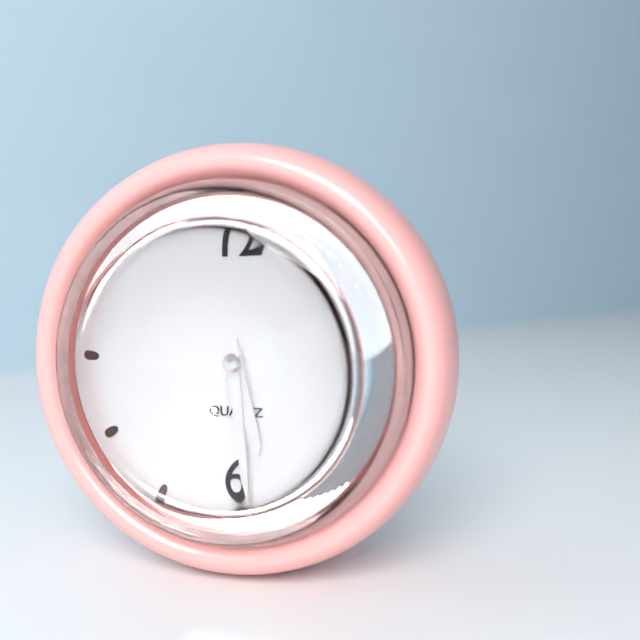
5h29
